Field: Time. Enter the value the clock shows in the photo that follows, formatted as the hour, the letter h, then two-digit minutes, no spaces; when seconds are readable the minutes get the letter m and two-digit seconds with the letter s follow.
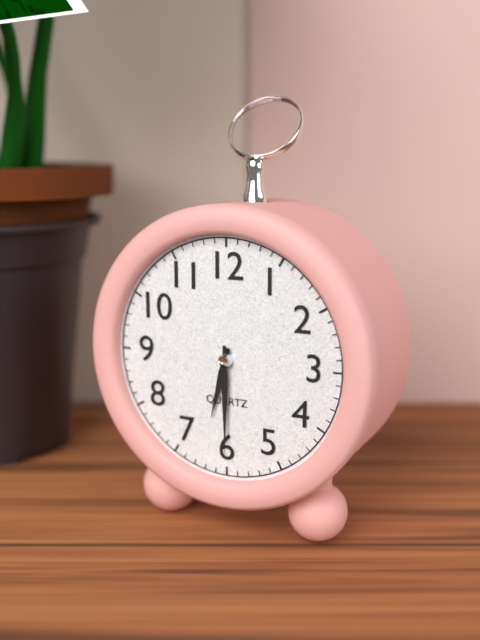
6h30
